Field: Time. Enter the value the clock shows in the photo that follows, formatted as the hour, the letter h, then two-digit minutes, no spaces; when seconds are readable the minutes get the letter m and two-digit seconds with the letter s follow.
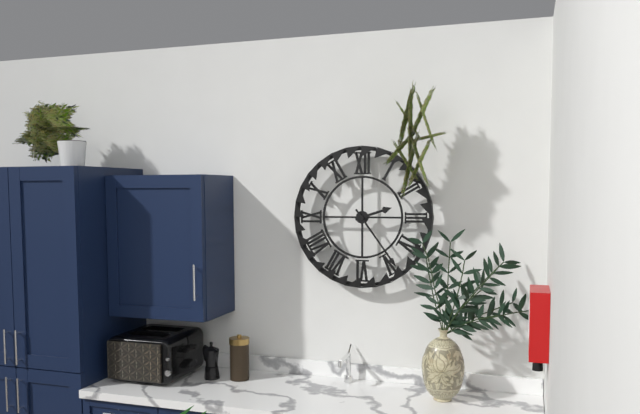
2h24
